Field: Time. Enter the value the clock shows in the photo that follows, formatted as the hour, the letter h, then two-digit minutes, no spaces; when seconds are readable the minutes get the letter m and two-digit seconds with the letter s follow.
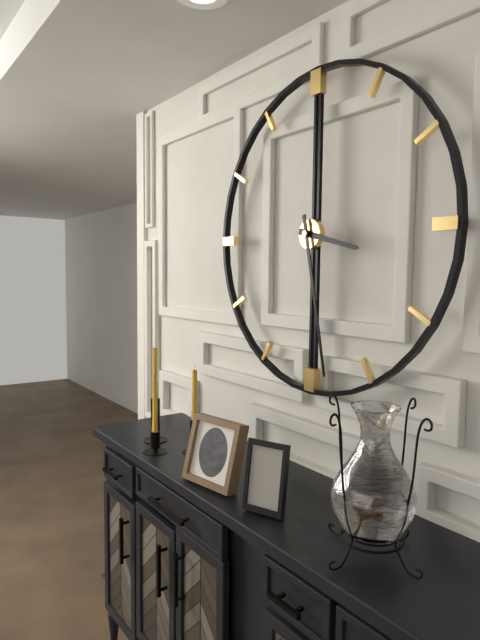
3h28
